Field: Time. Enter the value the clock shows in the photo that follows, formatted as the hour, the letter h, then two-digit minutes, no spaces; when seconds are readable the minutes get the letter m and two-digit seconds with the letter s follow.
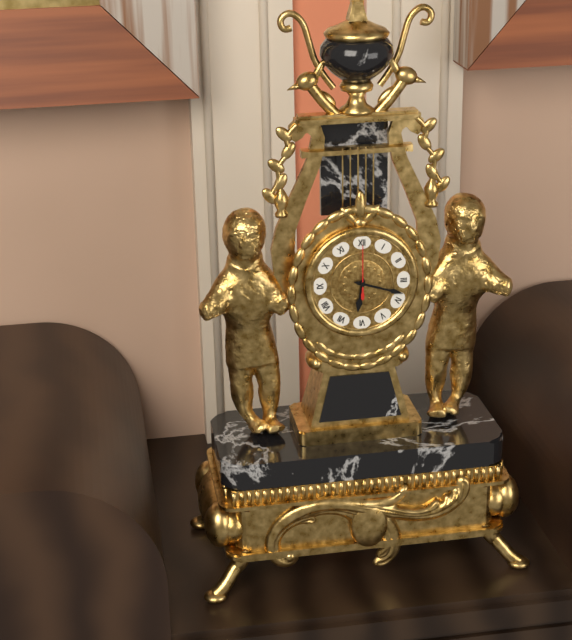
6h18
